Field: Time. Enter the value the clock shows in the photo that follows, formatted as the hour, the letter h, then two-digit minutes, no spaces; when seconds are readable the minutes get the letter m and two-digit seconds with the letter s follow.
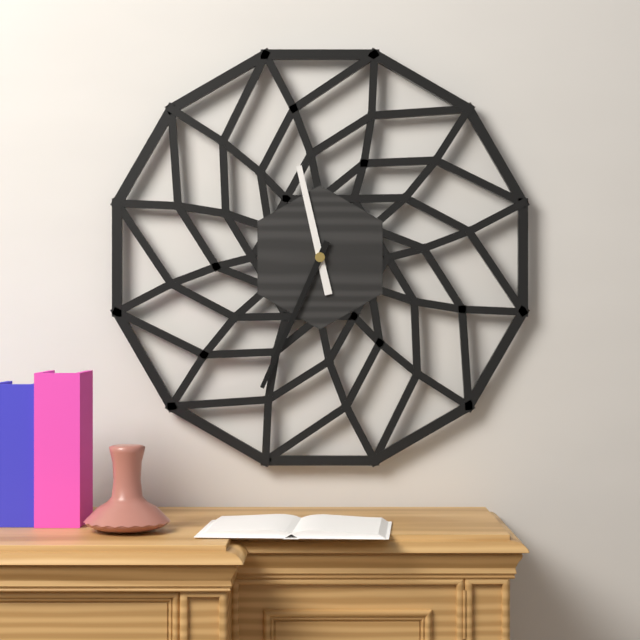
11h34
